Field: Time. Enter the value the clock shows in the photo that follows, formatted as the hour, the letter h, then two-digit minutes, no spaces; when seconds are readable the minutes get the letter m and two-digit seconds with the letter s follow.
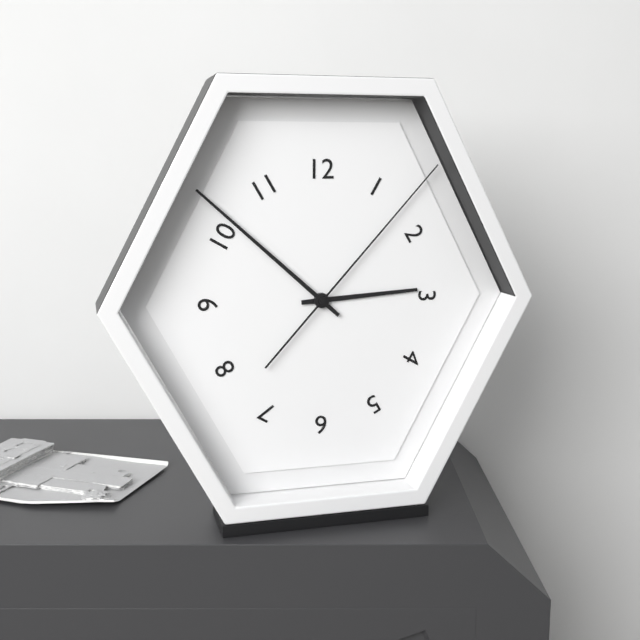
2h52m07s
